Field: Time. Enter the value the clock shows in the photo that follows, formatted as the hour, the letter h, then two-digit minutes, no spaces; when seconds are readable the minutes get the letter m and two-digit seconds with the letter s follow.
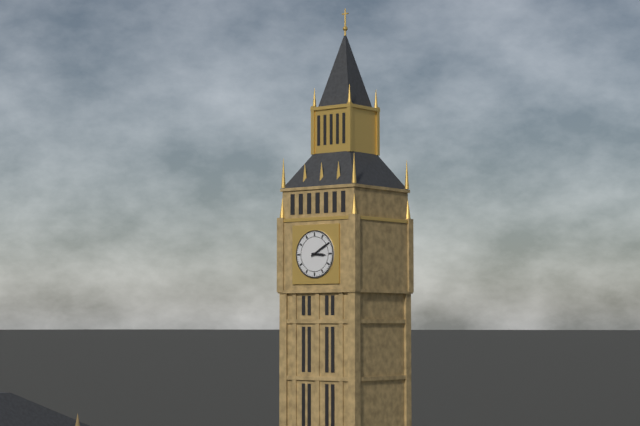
3h10
